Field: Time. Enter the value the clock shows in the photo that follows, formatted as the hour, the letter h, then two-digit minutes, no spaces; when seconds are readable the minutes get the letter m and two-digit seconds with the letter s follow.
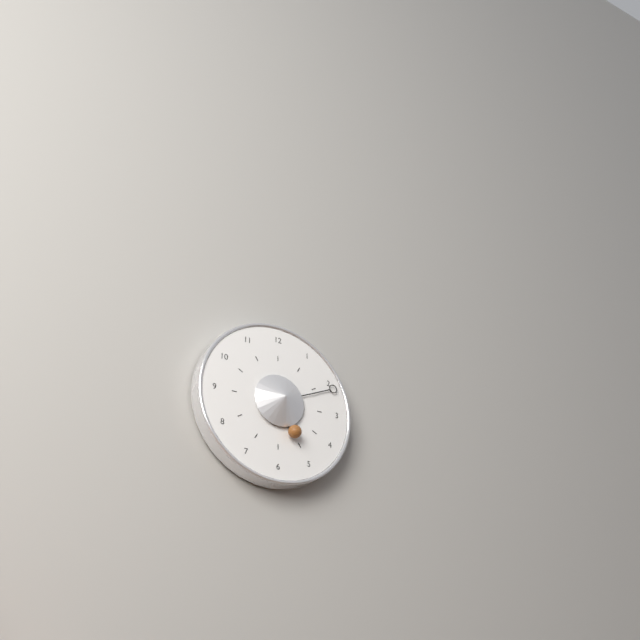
5h11
